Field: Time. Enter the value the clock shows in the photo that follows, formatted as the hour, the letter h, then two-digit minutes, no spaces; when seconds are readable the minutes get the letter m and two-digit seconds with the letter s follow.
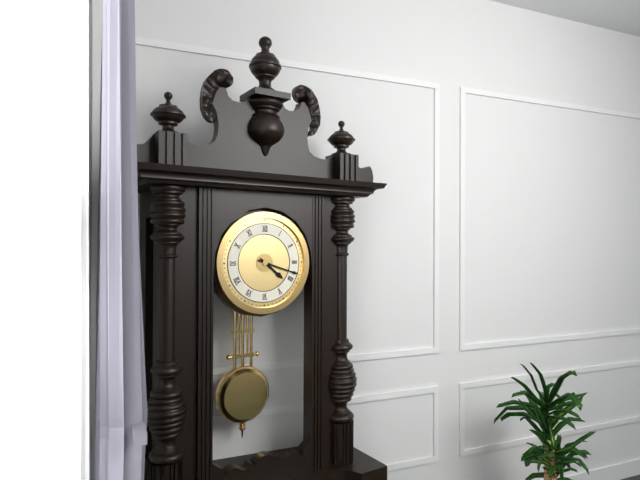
4h18
